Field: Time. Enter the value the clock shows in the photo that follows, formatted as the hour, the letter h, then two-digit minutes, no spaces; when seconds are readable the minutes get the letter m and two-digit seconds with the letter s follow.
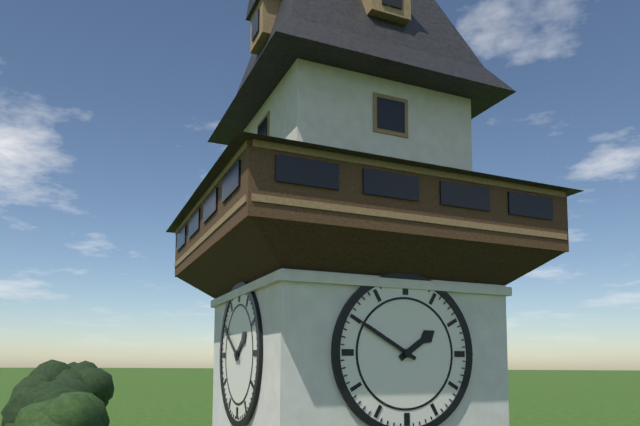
1h50
